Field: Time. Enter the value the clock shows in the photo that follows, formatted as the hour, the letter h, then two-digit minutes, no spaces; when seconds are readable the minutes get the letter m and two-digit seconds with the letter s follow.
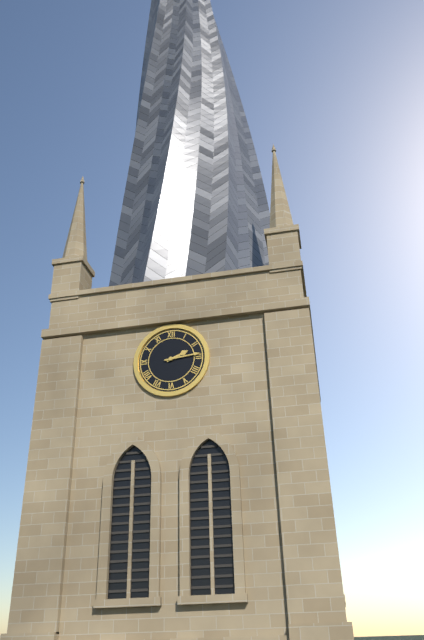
2h14
